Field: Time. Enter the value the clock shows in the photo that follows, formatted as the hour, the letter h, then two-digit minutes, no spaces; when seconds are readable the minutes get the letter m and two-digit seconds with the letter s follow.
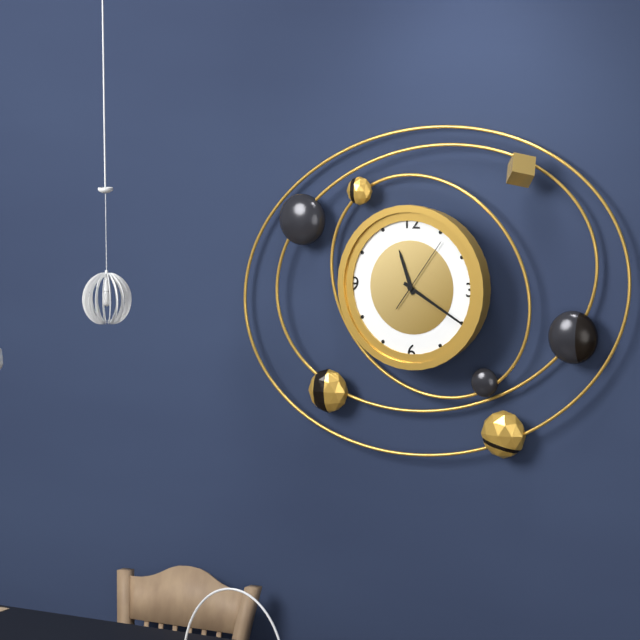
11h20m06s
